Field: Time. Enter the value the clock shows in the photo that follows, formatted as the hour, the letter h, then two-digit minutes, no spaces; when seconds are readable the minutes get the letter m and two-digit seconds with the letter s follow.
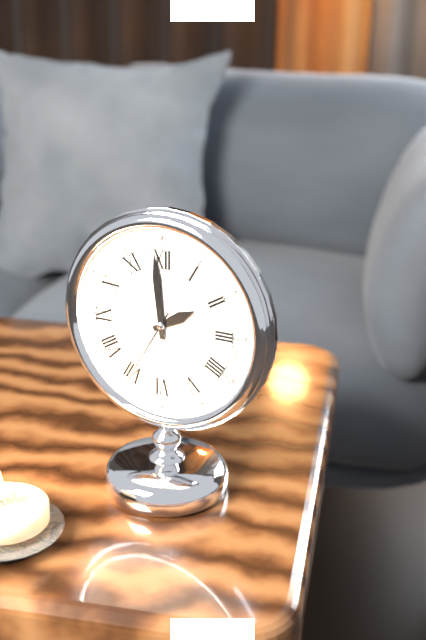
1h59m35s
